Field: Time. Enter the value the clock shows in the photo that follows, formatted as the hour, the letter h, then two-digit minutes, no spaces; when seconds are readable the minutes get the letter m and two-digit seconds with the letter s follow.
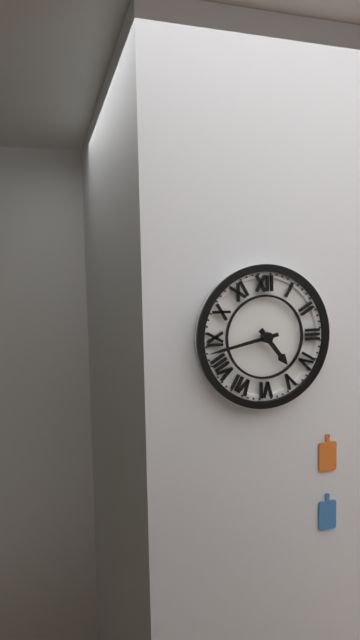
4h43
